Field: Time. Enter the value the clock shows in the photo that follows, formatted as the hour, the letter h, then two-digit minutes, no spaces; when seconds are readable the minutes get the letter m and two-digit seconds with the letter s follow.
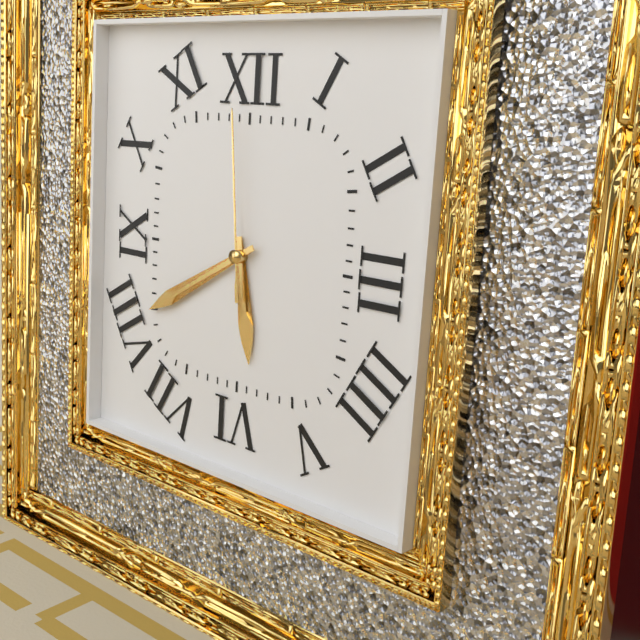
5h40m59s
